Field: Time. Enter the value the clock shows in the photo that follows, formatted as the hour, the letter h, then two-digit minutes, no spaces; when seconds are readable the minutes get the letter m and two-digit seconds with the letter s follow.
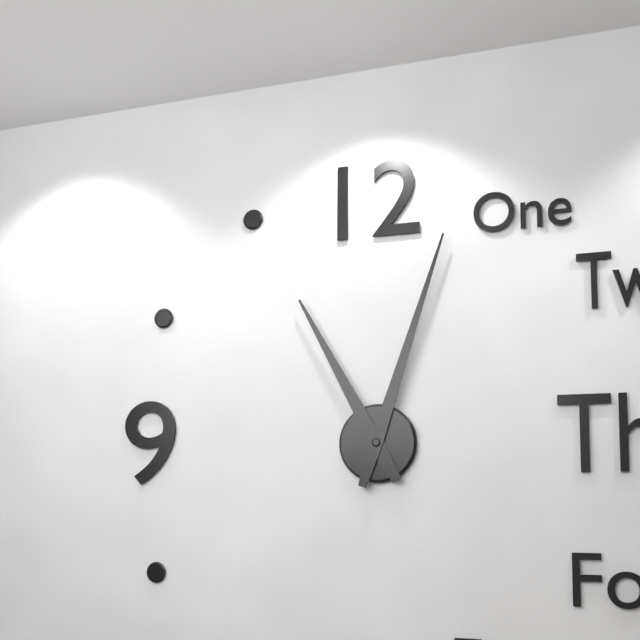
11h03
